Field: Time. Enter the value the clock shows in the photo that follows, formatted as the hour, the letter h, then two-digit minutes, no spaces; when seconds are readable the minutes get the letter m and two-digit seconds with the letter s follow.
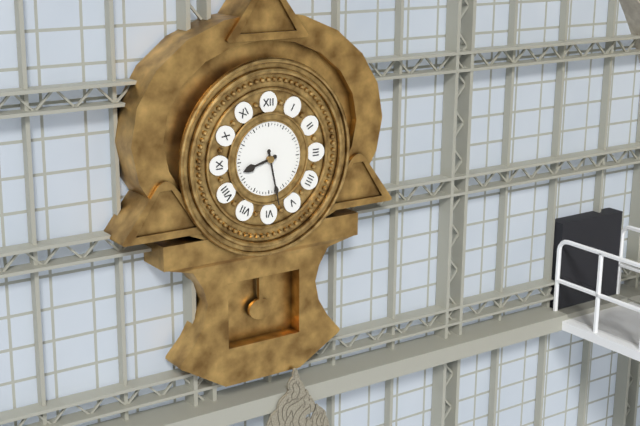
8h28
